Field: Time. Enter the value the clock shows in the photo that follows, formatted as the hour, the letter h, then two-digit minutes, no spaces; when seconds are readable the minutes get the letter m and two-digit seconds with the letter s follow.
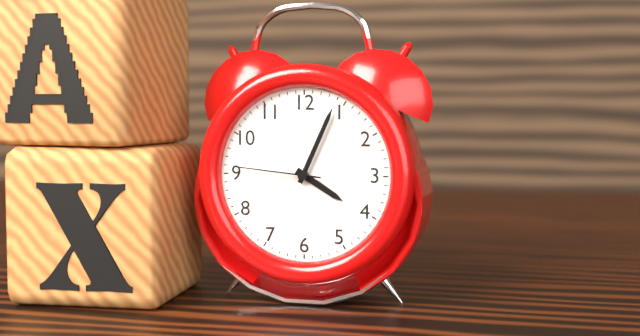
4h04m46s
